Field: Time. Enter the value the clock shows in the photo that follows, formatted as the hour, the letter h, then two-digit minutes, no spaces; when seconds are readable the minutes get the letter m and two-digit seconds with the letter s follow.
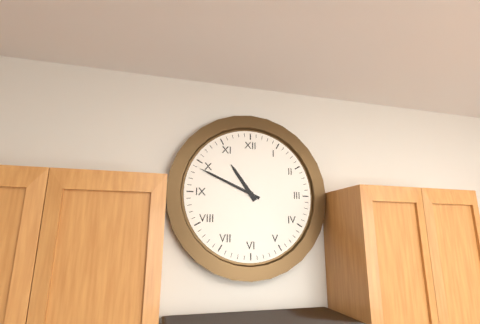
10h49
